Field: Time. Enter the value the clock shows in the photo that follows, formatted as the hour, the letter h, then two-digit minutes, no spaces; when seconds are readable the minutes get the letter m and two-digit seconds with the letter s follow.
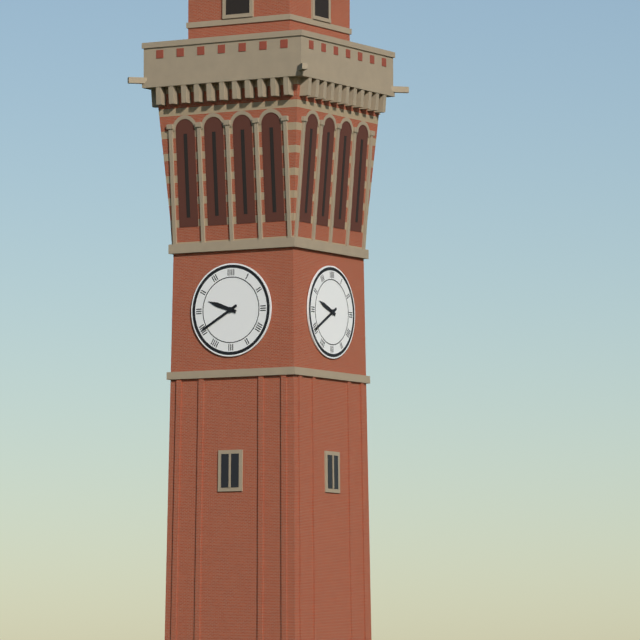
9h40
